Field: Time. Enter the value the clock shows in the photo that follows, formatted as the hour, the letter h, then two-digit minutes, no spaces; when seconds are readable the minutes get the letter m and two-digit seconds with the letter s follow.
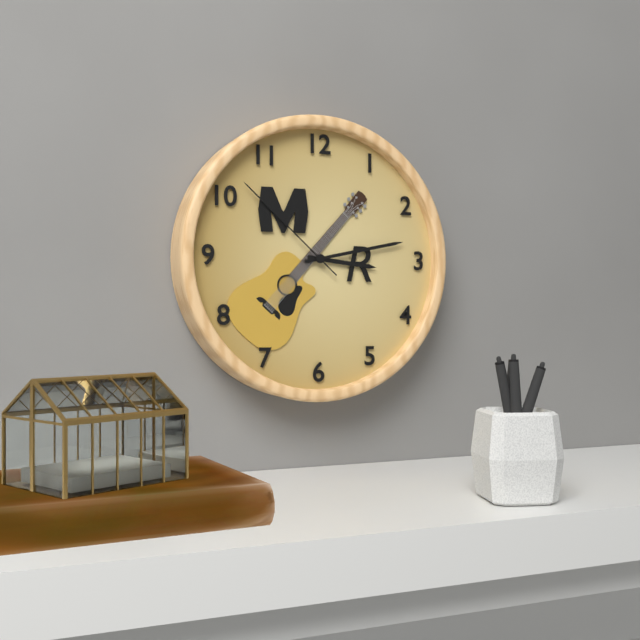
3h13m52s
